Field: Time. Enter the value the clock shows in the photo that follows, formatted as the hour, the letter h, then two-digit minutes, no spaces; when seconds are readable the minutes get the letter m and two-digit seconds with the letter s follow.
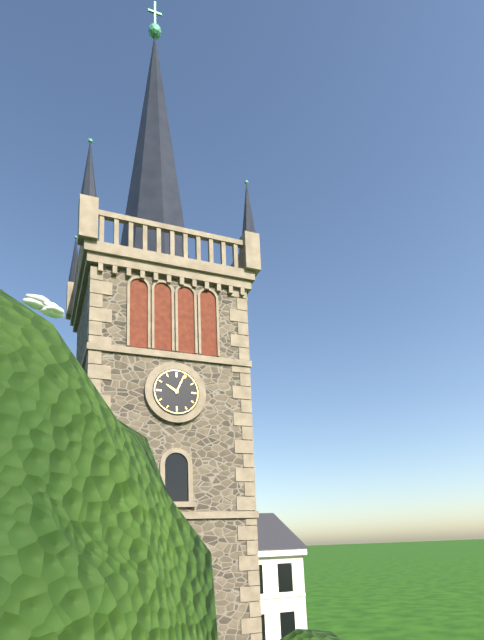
10h04
